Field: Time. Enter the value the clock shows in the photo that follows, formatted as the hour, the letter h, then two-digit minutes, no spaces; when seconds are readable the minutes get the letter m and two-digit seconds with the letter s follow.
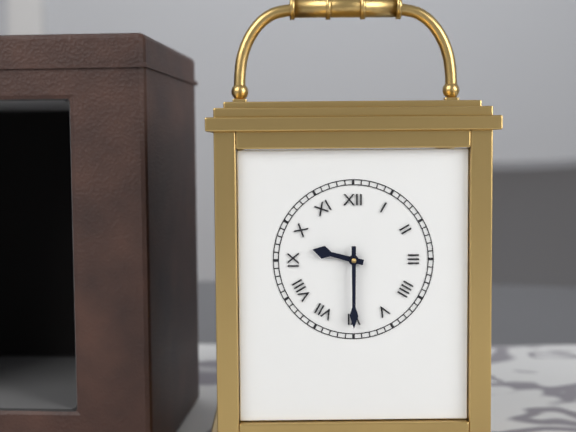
9h30
